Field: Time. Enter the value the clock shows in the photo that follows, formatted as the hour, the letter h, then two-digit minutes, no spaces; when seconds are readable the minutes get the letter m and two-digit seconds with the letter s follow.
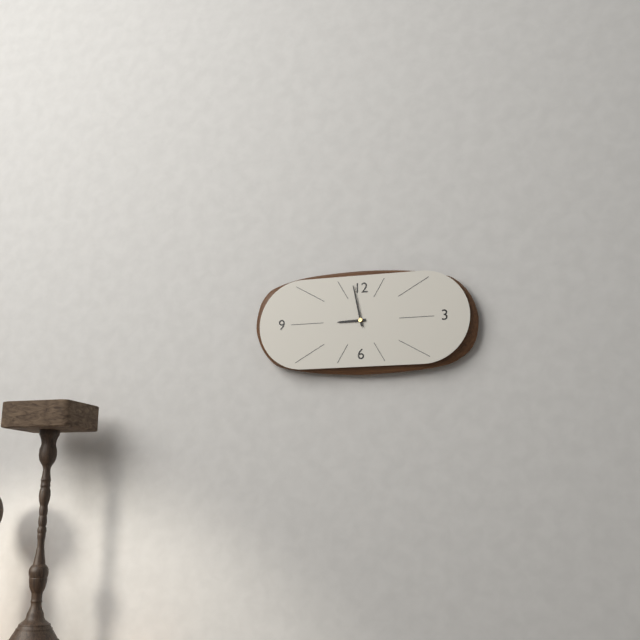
8h58
